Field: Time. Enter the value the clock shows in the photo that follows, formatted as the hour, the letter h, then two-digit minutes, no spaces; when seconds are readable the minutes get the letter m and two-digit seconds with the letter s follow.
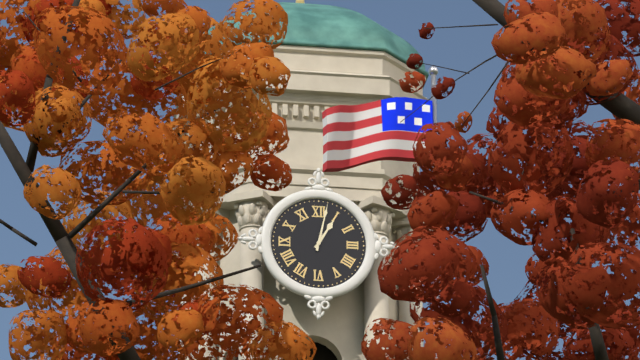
1h02
